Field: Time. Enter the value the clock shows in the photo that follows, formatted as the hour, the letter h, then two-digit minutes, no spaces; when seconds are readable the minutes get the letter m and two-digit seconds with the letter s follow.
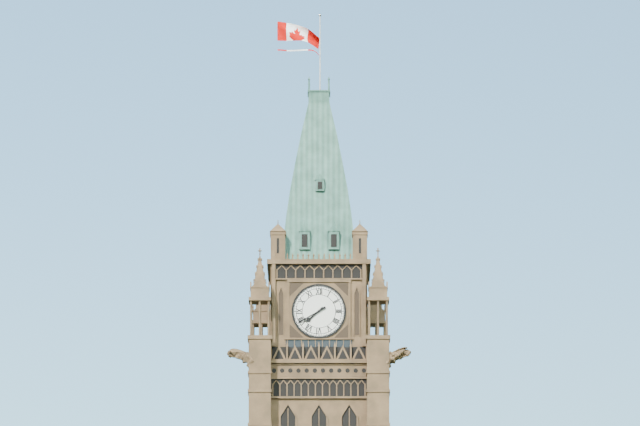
7h40
